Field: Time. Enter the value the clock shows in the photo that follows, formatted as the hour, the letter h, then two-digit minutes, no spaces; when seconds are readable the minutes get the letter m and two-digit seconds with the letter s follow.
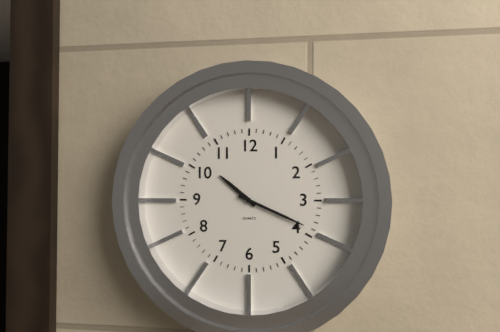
10h19
